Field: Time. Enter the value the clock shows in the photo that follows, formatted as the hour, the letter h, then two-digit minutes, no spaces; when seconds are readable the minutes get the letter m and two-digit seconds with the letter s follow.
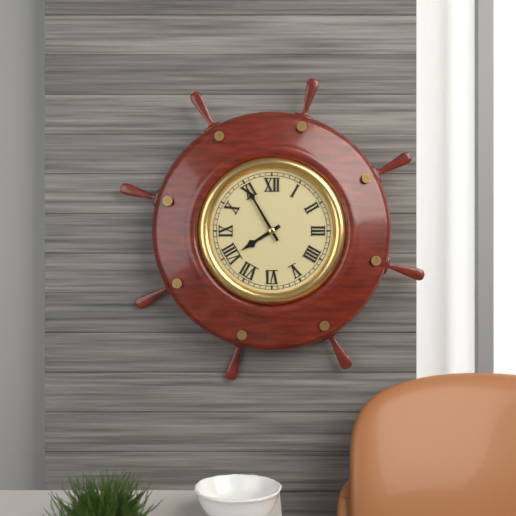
7h55
